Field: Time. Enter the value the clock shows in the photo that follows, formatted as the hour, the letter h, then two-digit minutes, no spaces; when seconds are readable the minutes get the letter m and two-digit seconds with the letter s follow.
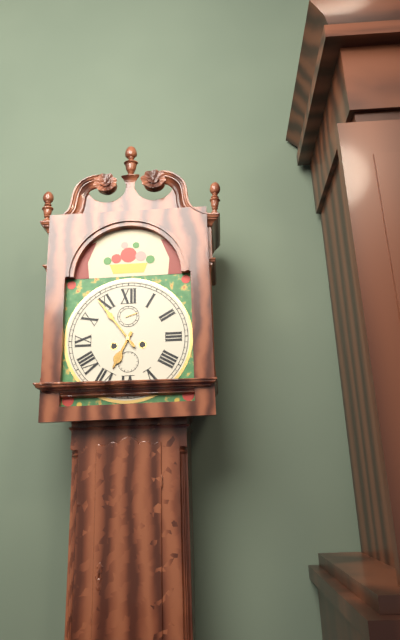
6h54
